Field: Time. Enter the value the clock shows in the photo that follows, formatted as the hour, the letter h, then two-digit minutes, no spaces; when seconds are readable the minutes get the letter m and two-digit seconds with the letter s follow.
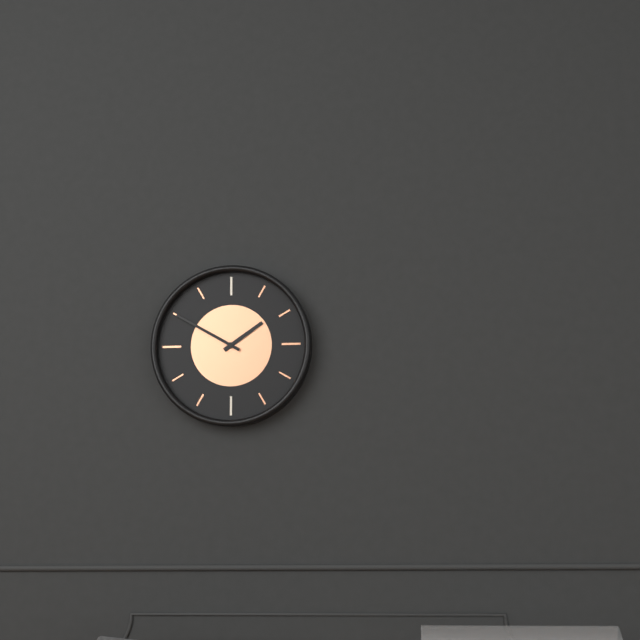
1h50
